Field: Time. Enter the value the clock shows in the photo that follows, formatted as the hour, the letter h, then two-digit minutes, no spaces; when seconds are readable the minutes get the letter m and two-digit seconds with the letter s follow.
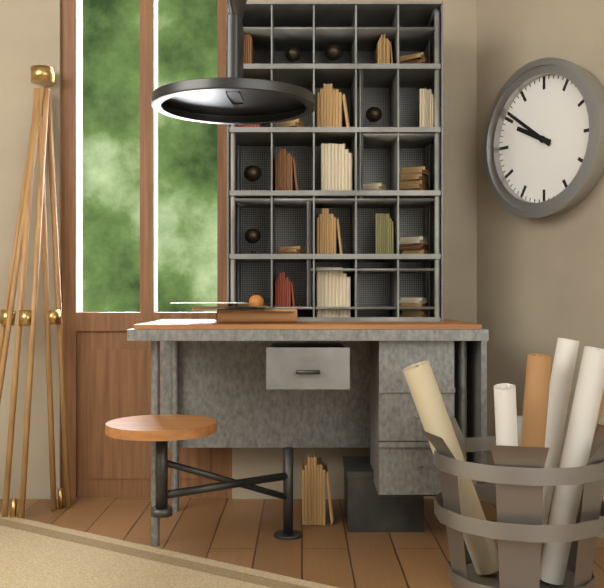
9h51
